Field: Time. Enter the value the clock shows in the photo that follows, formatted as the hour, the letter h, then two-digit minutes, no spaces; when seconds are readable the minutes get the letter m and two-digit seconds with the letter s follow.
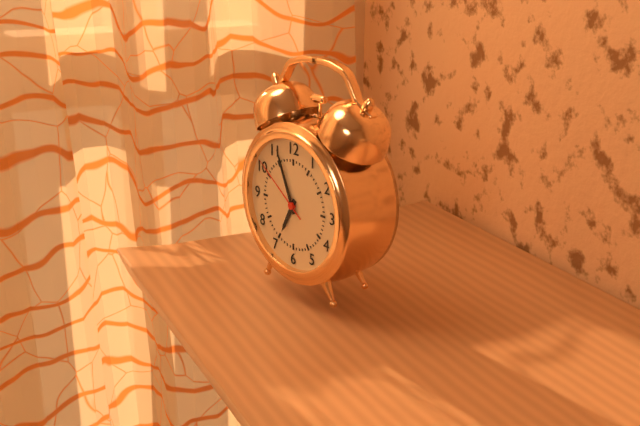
6h56m51s
